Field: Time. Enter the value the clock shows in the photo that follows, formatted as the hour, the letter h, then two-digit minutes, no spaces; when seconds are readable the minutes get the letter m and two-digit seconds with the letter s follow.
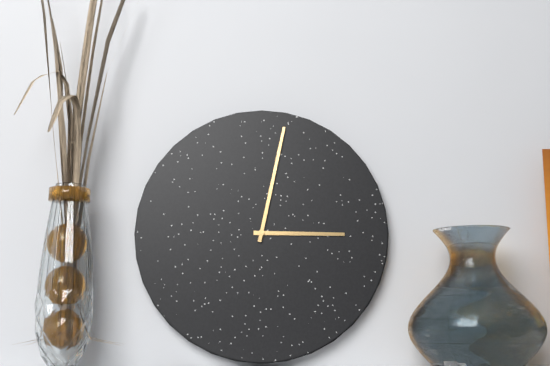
3h02
